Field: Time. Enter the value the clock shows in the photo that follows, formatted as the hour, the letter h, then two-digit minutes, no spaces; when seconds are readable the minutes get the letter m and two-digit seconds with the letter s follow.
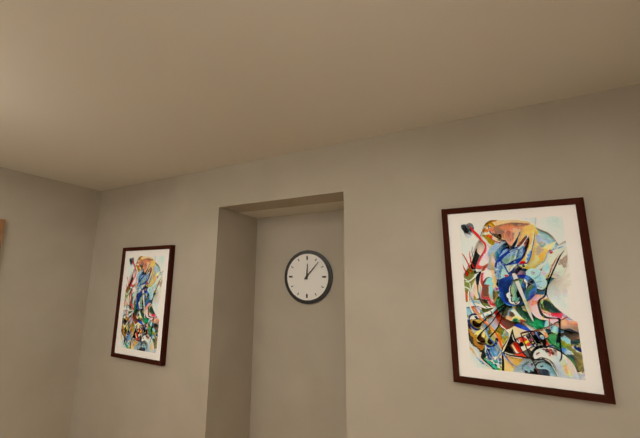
12h07
